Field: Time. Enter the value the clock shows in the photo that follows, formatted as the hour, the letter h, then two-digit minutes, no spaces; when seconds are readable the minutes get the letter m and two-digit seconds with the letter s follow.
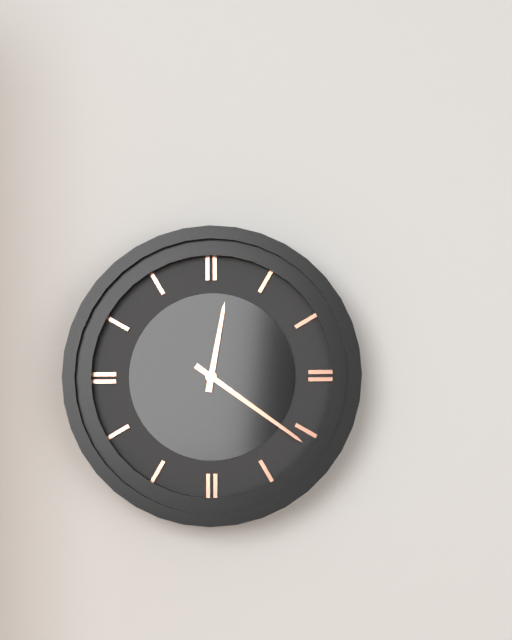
12h21
